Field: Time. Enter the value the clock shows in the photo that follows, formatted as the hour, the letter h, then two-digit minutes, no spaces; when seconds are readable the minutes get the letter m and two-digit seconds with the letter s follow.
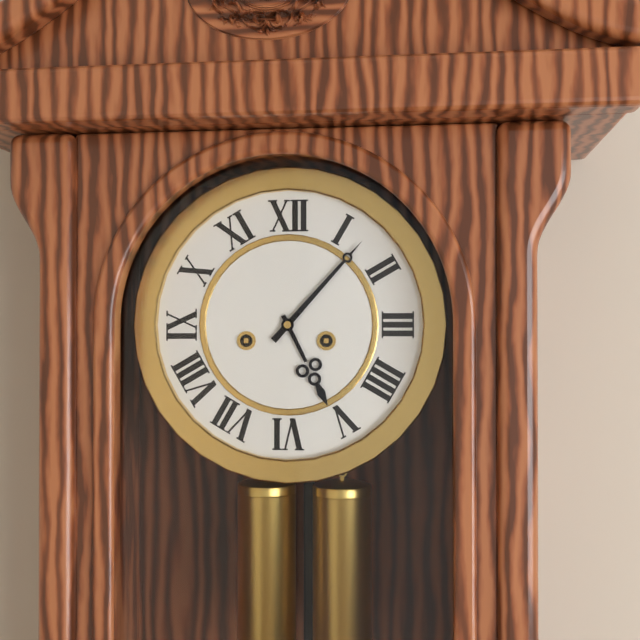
5h07
